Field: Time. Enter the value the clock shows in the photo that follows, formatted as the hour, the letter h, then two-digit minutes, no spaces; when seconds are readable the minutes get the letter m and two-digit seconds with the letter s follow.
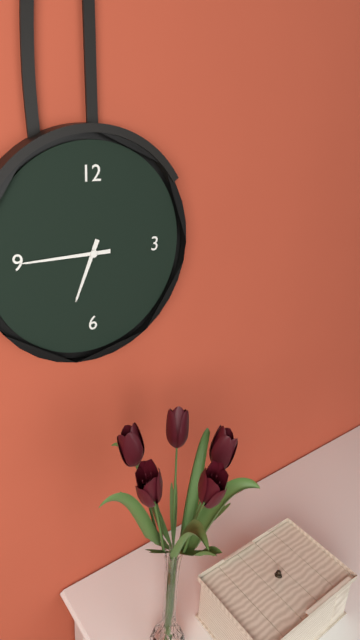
6h45
